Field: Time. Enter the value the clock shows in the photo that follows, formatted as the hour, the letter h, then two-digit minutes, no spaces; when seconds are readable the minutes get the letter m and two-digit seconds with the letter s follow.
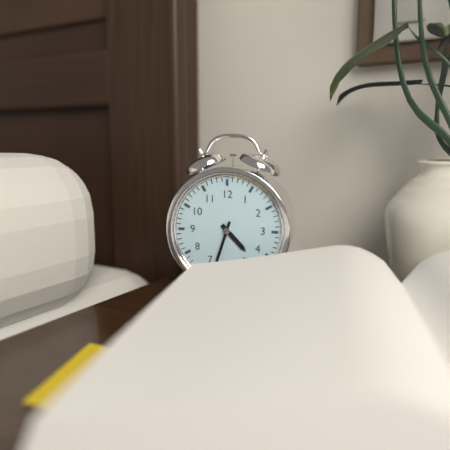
4h33
